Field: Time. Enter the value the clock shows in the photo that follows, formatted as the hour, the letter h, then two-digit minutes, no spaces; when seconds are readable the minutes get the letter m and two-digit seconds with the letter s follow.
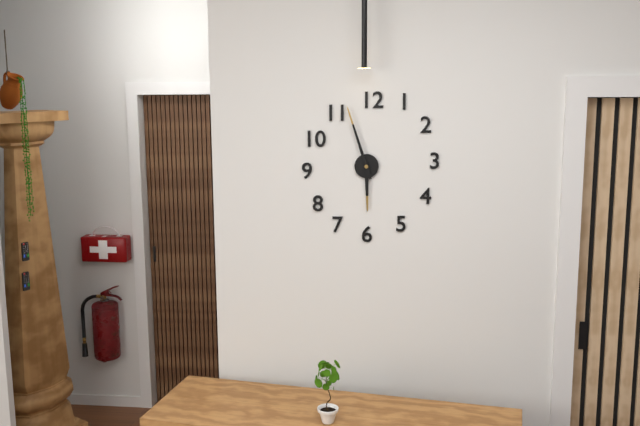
5h57
